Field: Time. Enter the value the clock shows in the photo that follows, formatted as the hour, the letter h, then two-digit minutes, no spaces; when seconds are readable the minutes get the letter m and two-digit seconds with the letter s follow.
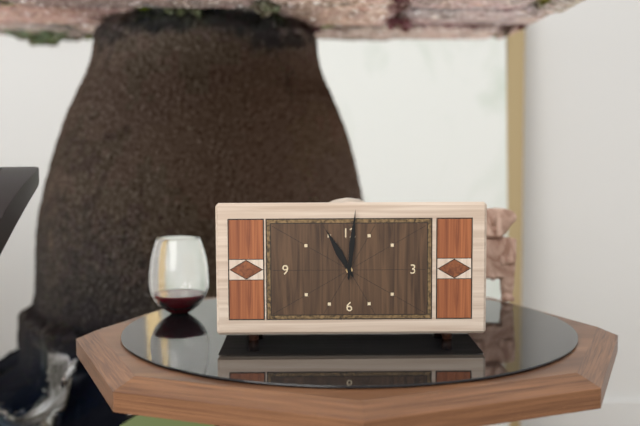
11h01
